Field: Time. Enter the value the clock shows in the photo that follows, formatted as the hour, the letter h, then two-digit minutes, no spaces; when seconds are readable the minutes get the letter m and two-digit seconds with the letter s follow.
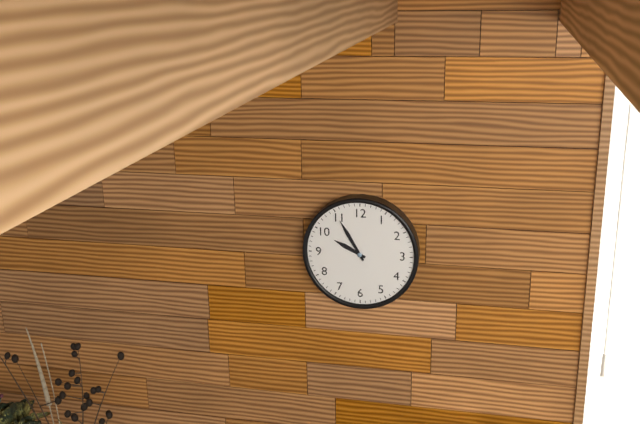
9h55
